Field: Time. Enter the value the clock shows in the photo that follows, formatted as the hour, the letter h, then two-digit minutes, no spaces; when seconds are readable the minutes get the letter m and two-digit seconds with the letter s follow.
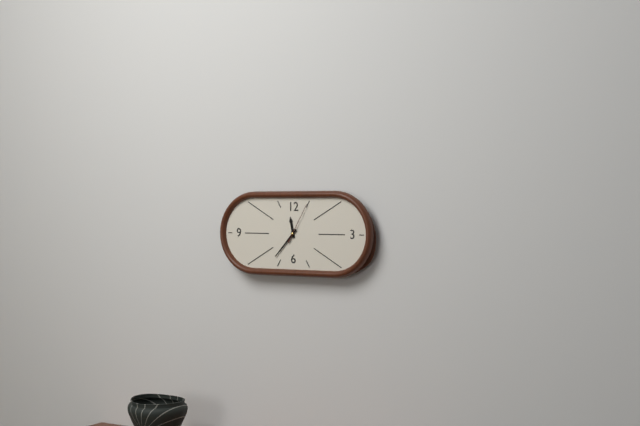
11h37
